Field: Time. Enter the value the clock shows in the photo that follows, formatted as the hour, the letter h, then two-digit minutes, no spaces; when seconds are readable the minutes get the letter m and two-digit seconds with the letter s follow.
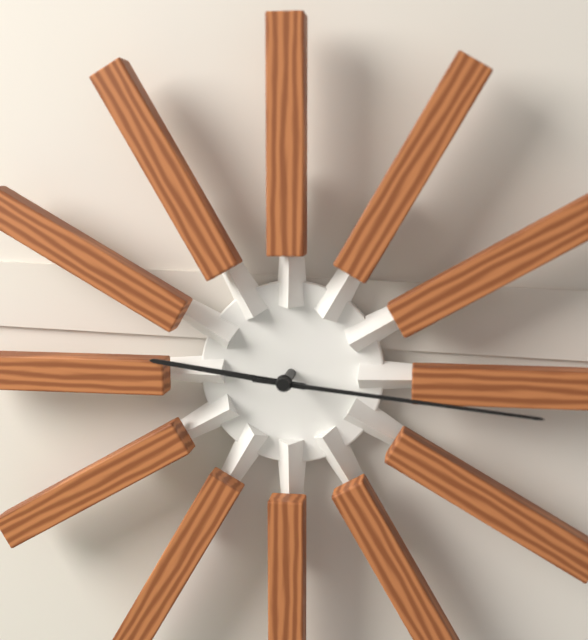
9h16
